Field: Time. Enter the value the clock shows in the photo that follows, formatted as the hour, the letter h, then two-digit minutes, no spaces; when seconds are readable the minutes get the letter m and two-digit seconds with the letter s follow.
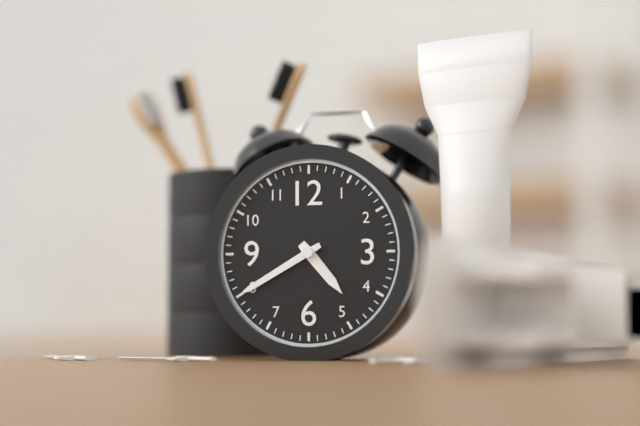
4h40
